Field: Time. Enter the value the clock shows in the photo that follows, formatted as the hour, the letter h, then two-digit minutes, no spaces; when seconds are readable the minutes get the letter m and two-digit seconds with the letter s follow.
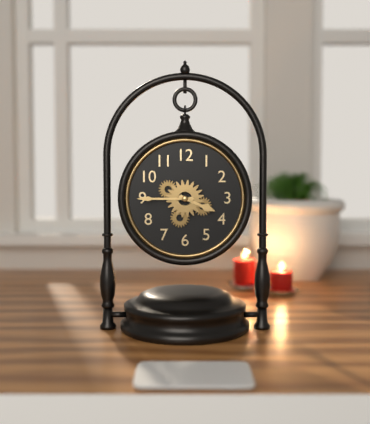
3h45
